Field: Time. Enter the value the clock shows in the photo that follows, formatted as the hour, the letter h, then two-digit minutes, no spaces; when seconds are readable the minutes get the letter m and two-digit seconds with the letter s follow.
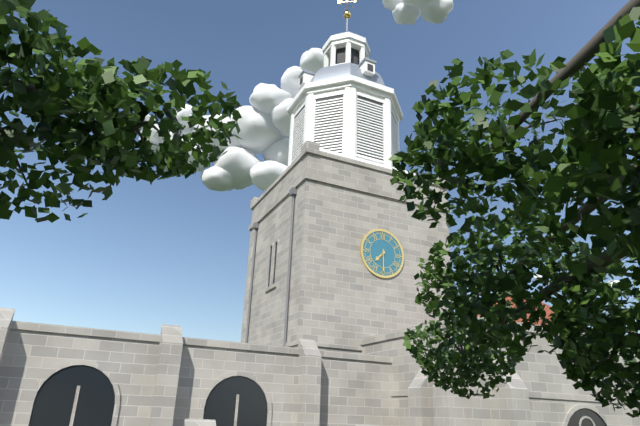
7h30
